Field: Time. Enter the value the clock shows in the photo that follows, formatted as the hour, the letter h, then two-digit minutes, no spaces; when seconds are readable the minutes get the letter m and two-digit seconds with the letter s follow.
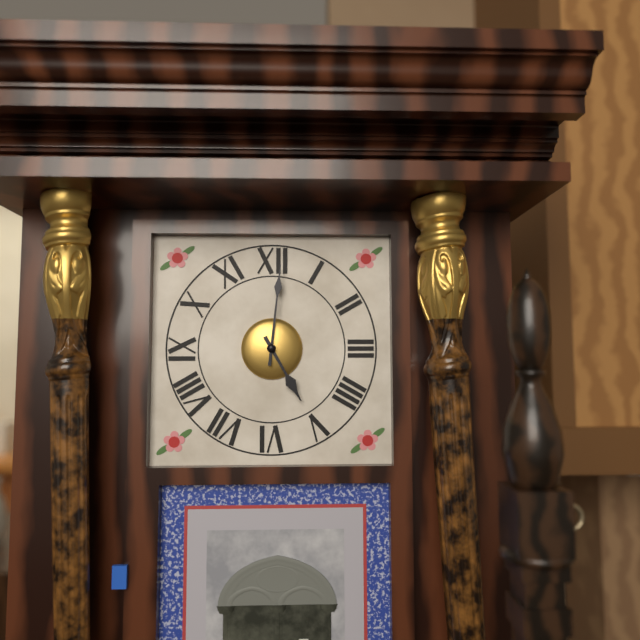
5h01
